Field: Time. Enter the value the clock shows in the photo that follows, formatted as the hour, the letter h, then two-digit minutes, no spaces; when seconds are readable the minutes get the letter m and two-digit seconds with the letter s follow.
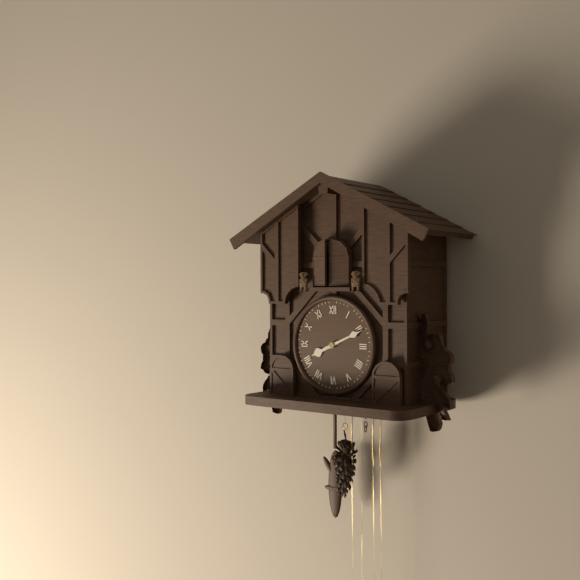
8h11
